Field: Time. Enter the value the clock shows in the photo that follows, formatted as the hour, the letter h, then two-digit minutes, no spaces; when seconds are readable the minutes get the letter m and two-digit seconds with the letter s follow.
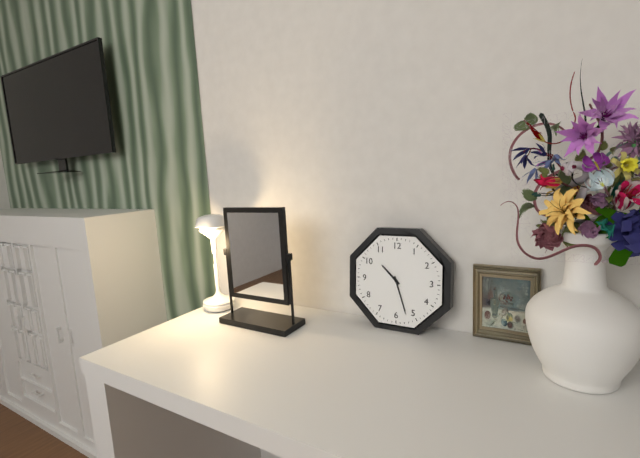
10h27
